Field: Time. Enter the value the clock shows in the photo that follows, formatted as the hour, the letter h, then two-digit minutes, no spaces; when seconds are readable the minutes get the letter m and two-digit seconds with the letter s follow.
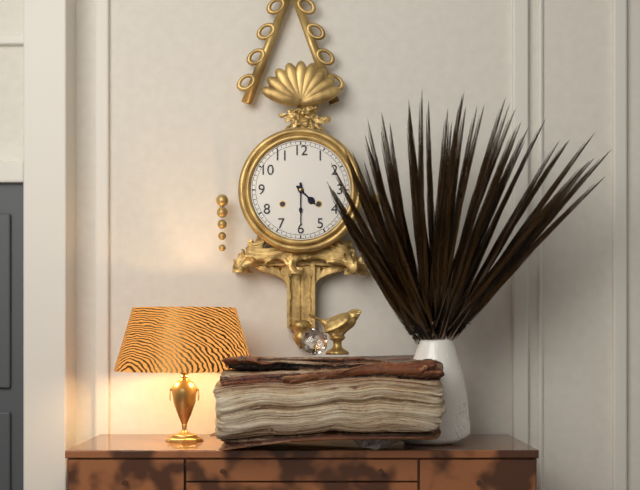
4h30
